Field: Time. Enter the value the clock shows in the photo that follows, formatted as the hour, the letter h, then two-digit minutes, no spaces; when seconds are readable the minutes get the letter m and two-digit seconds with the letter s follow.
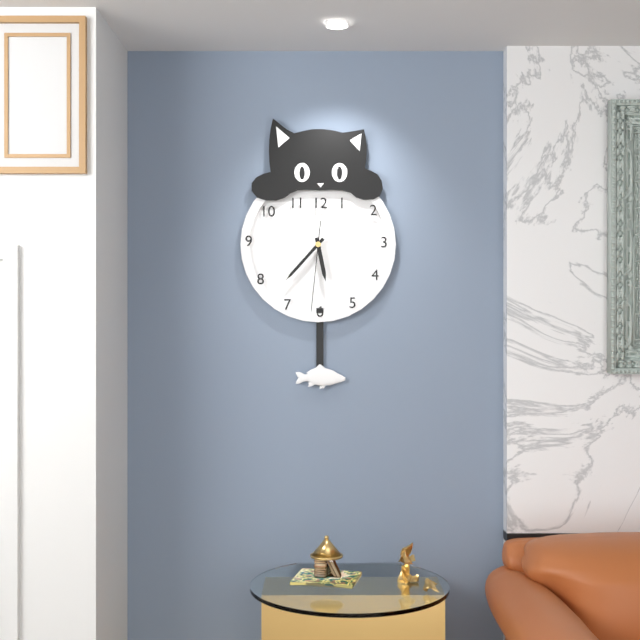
5h37m31s
